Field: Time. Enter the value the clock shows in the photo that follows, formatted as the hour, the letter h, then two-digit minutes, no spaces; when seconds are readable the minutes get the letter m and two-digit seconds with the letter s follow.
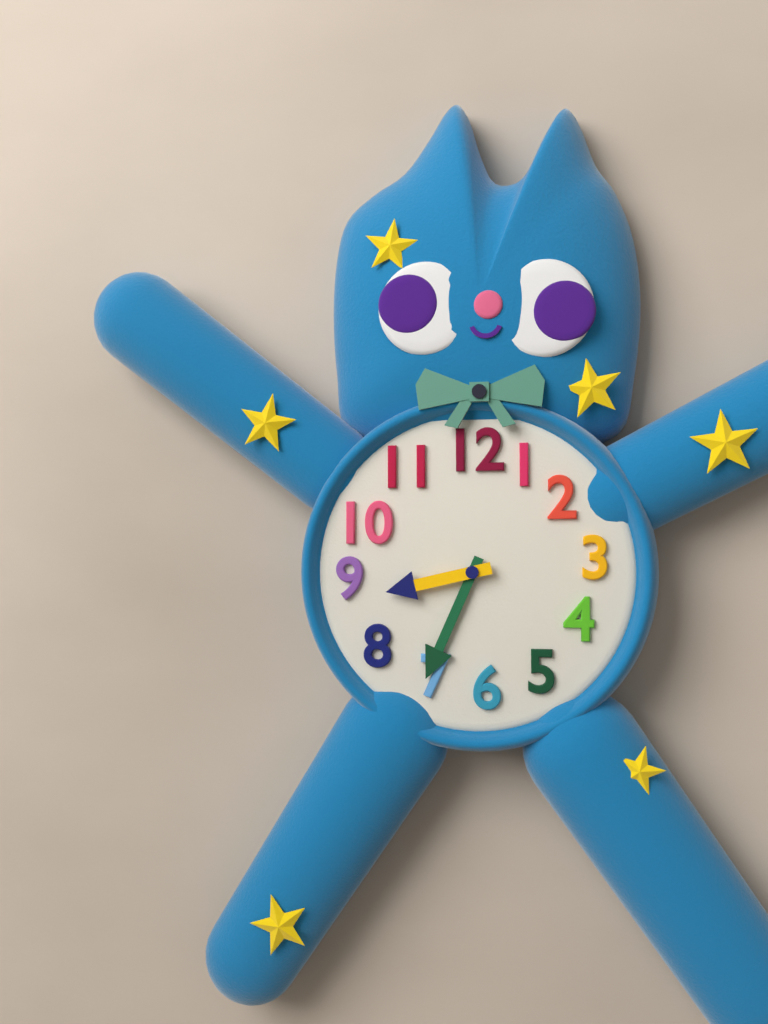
8h34
